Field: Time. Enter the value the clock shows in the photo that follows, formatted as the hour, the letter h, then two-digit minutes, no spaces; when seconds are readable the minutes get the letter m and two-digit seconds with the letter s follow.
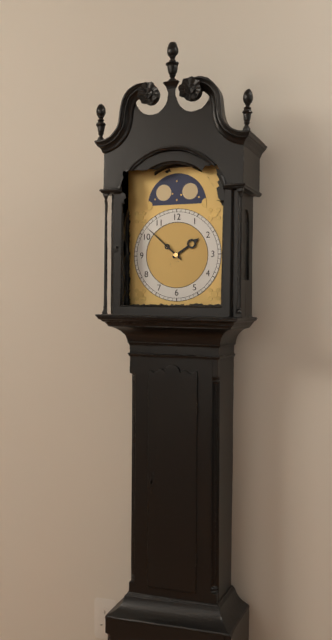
1h52
